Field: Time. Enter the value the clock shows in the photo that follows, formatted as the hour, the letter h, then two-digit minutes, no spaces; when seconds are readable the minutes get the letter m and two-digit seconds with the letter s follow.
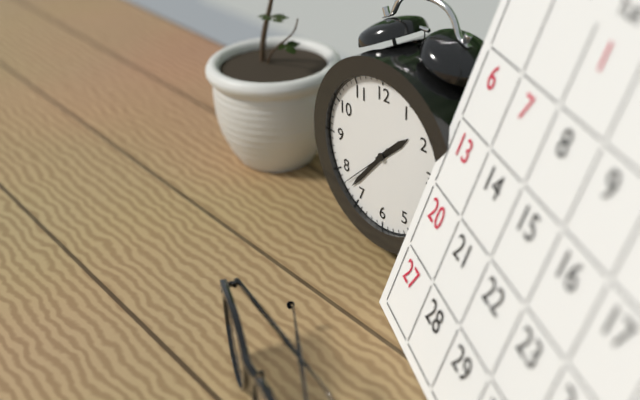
1h37m38s
